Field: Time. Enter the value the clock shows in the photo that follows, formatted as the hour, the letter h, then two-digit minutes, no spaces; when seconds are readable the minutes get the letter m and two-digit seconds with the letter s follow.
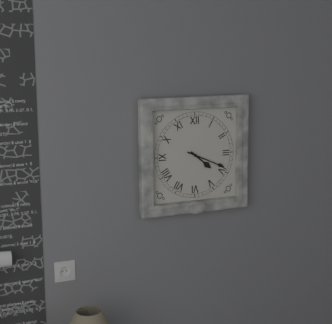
4h19
